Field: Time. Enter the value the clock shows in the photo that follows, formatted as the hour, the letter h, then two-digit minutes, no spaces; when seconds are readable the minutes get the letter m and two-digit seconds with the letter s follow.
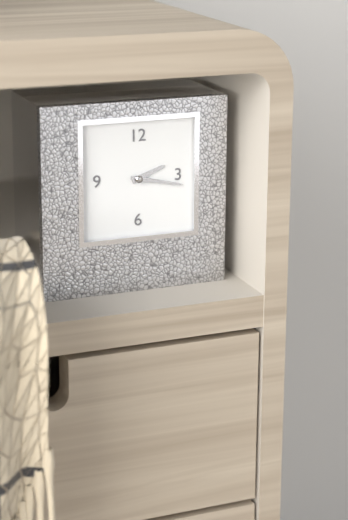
2h17
